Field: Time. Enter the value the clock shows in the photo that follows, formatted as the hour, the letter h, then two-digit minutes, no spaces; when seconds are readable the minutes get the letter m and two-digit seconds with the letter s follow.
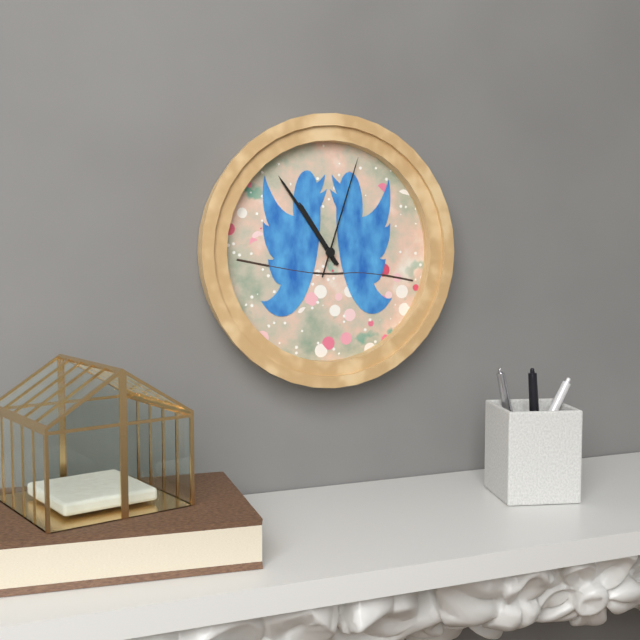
10h54m03s
